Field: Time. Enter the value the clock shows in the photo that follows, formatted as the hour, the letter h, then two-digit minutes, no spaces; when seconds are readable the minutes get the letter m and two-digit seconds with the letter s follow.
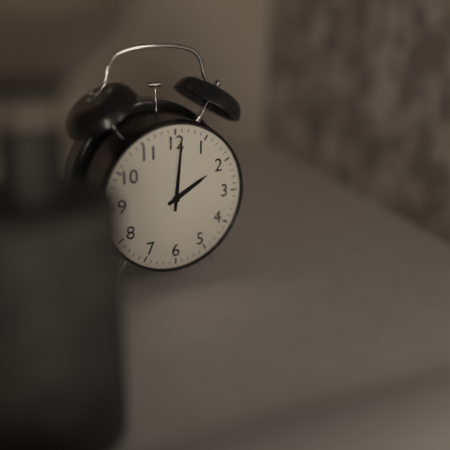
2h01
